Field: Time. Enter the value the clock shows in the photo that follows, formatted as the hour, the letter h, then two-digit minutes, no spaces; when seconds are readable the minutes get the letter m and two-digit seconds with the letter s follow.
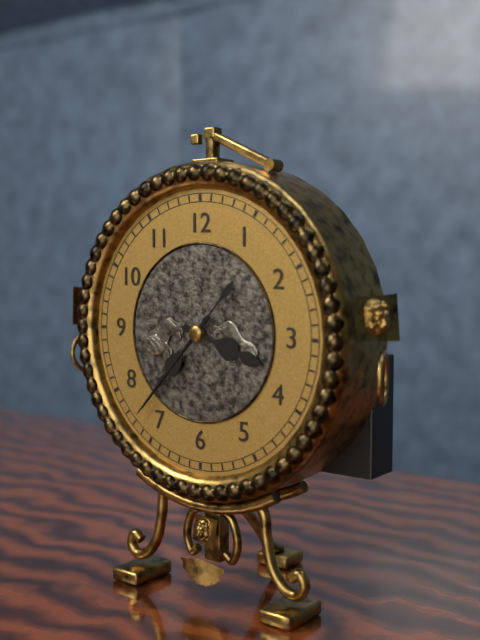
3h37m37s
